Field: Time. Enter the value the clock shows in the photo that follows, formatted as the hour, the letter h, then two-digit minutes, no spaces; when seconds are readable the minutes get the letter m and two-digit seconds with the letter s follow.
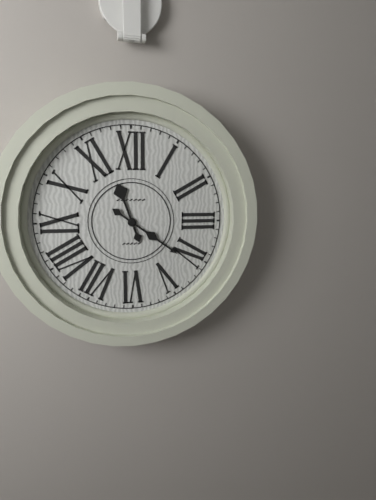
11h21
